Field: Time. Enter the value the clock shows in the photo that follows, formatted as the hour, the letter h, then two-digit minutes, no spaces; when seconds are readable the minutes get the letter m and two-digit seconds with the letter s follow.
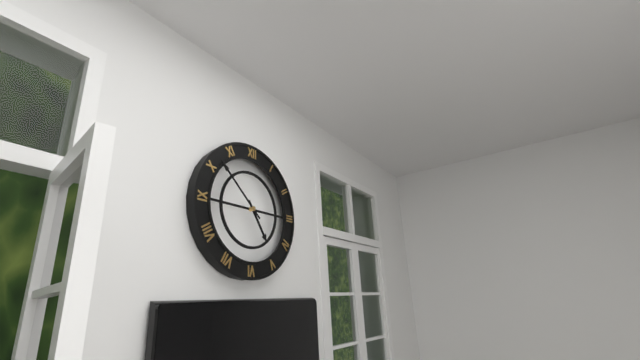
4h52
